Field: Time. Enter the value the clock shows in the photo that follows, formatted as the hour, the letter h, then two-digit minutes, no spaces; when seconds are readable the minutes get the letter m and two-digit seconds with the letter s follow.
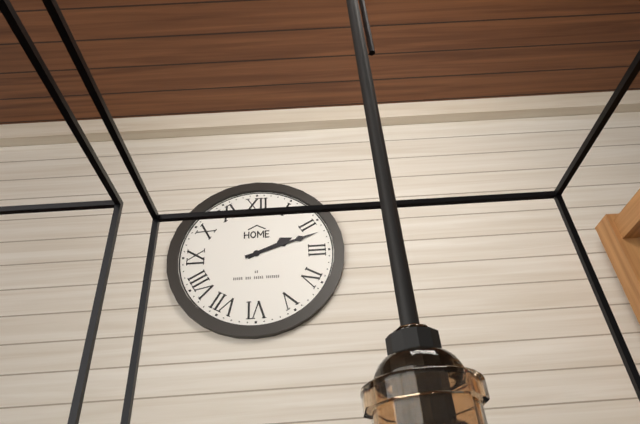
2h12
